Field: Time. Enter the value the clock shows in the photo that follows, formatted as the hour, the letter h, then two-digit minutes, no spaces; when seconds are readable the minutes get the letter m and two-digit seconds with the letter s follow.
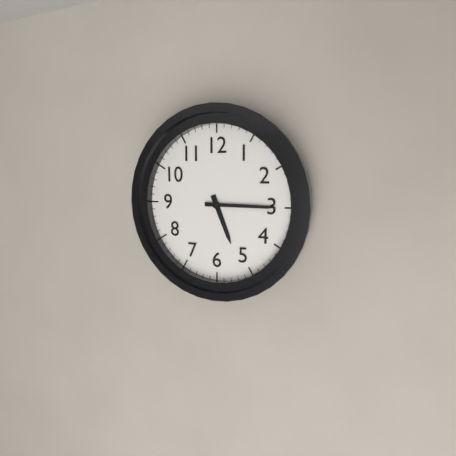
5h15
